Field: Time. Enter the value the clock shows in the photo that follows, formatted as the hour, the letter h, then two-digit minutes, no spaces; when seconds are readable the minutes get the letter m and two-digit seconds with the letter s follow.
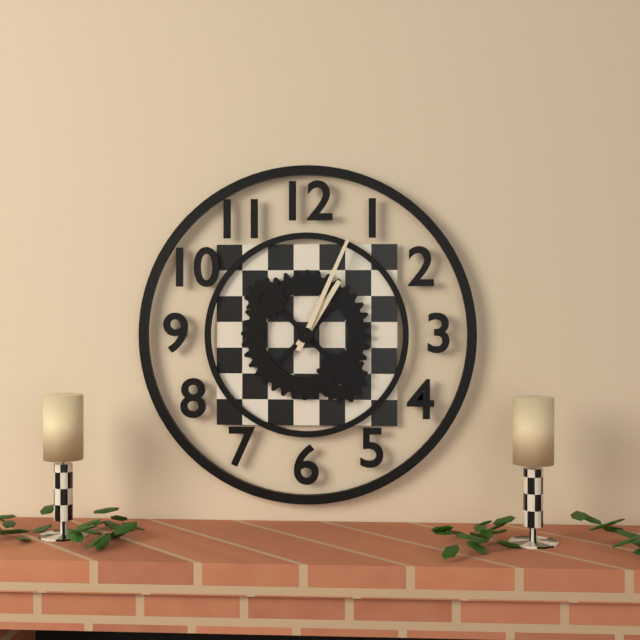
1h04
